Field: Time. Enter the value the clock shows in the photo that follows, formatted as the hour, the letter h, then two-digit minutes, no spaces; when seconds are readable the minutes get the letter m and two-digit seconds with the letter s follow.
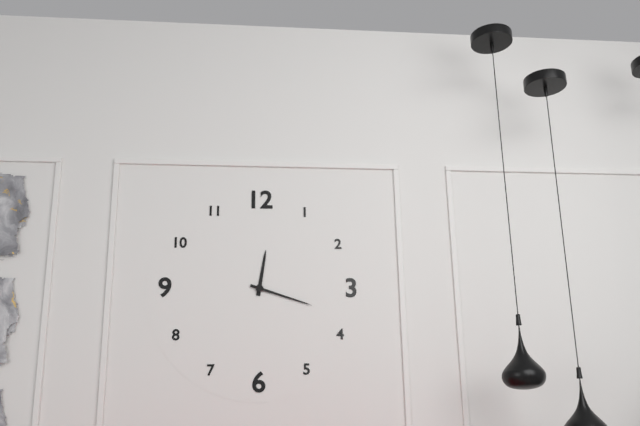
12h18
